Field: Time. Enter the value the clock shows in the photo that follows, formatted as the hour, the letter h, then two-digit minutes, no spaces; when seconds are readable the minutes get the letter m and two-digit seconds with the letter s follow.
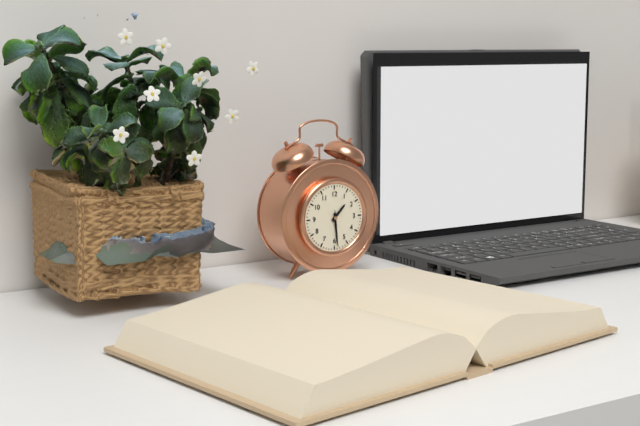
1h29
